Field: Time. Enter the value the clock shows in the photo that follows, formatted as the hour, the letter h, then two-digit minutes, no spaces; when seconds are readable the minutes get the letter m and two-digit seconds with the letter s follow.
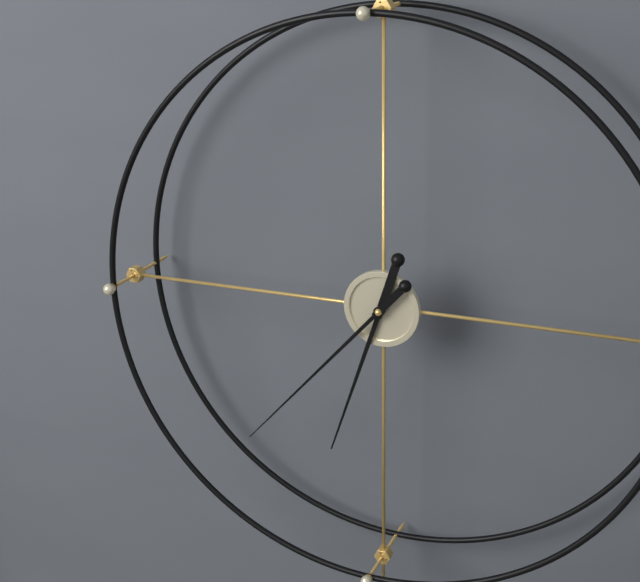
6h37
